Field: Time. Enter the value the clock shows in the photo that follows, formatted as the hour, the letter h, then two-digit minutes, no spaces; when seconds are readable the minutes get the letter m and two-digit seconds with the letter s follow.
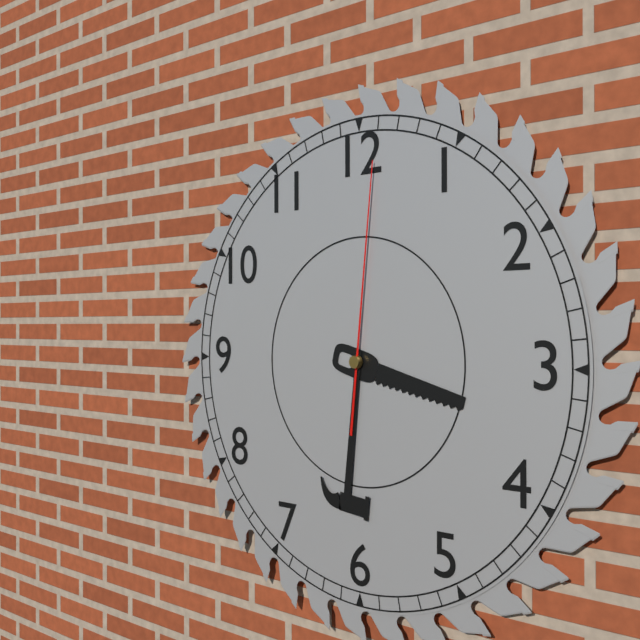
3h31m01s
